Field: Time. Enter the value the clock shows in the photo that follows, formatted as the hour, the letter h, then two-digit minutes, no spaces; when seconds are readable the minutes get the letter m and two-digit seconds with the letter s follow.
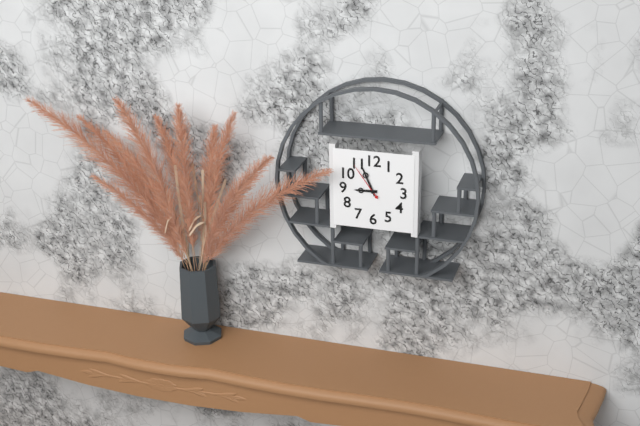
8h56
